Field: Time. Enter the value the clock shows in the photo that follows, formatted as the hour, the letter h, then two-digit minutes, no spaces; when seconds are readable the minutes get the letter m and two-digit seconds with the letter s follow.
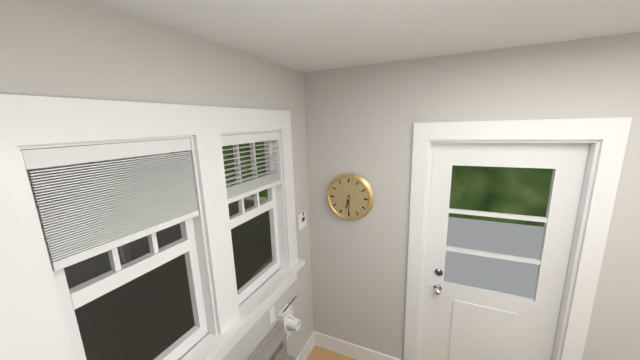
6h30
